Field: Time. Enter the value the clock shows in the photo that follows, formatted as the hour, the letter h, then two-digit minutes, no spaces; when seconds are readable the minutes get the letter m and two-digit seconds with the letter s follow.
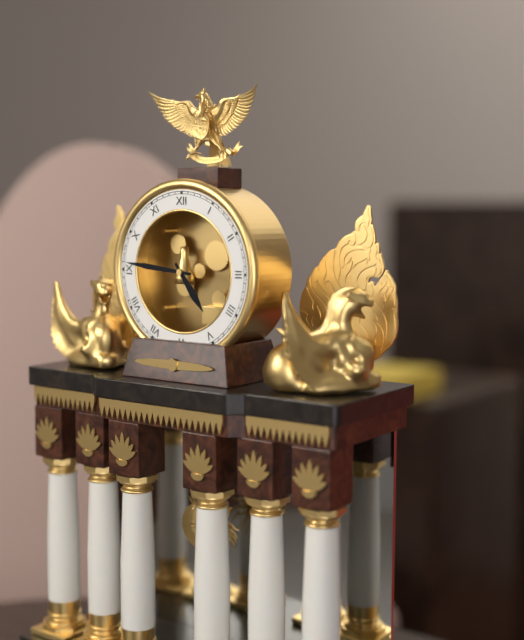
4h46
